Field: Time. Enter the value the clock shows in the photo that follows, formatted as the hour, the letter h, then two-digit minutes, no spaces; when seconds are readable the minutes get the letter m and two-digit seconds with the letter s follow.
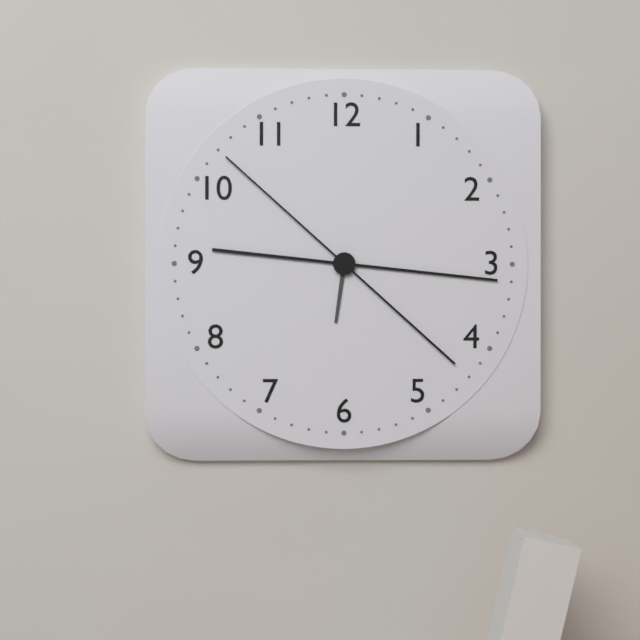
6h16m52s
